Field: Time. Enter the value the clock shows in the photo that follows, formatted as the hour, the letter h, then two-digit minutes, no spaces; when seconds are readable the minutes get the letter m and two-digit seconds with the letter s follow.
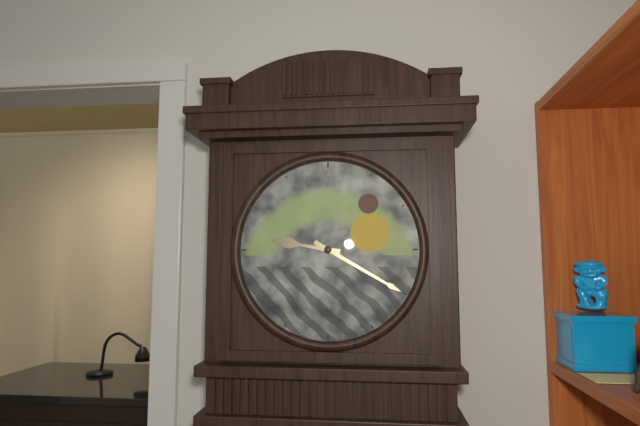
9h20
